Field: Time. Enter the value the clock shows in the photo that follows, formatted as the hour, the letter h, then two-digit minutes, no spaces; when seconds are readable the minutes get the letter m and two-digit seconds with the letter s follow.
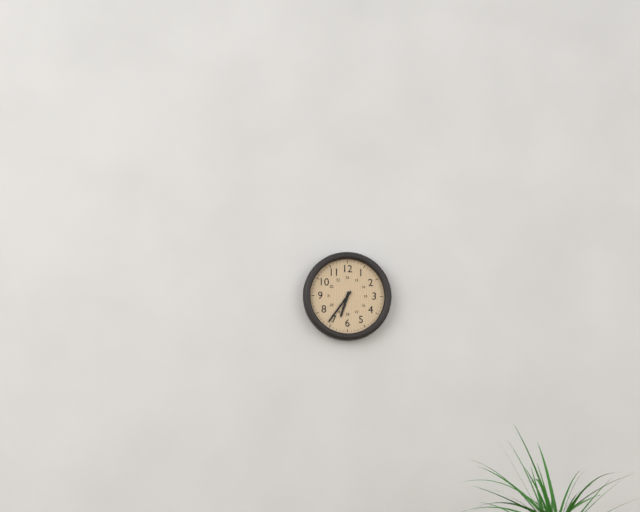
6h36
